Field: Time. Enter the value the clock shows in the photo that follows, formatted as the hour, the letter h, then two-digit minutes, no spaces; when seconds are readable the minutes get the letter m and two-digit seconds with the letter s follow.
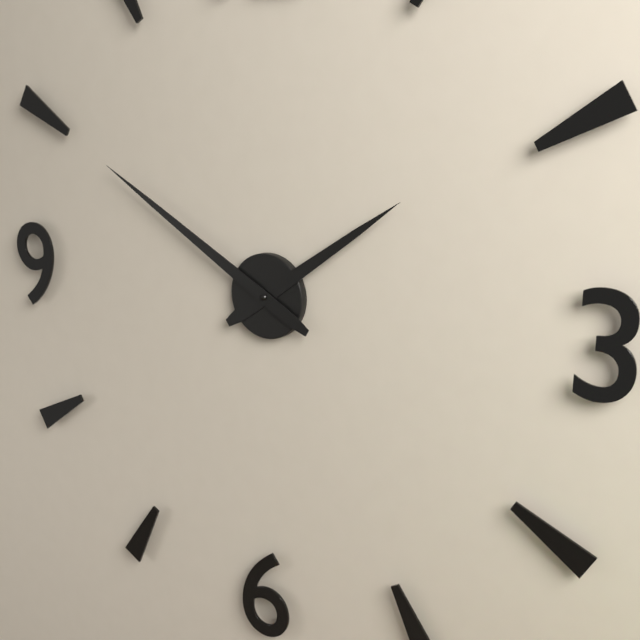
1h50
